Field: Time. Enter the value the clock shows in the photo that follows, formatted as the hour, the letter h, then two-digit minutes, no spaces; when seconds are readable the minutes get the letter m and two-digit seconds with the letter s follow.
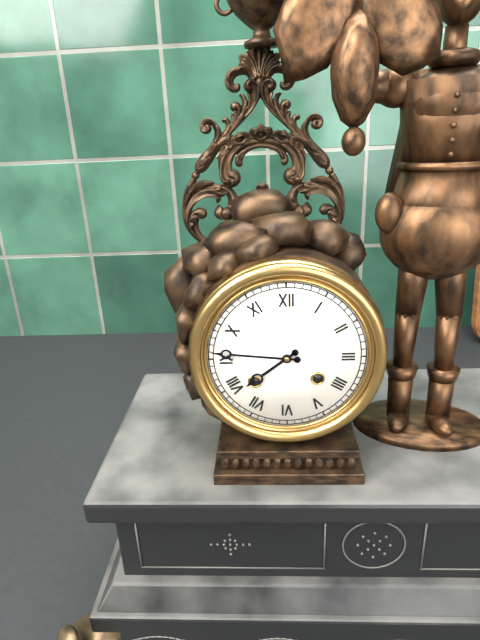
7h46
